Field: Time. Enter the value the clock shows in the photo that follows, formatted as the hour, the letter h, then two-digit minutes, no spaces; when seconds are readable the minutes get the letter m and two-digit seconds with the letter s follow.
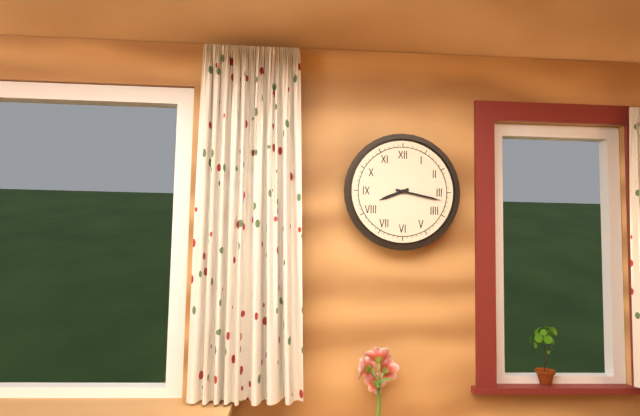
8h17
